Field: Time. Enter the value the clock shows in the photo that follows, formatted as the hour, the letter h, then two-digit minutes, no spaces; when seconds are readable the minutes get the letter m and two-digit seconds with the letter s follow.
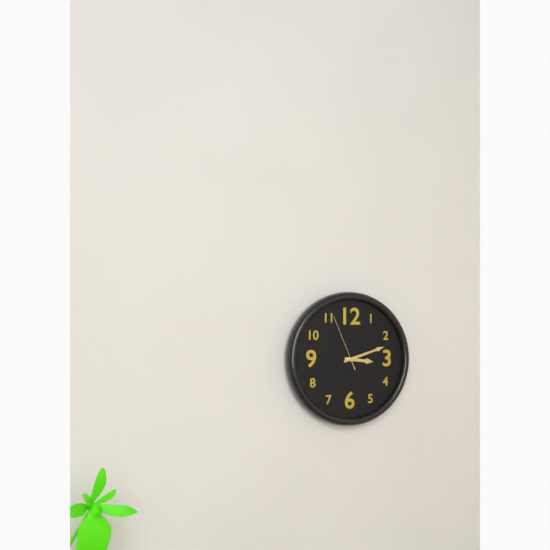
3h12m56s
